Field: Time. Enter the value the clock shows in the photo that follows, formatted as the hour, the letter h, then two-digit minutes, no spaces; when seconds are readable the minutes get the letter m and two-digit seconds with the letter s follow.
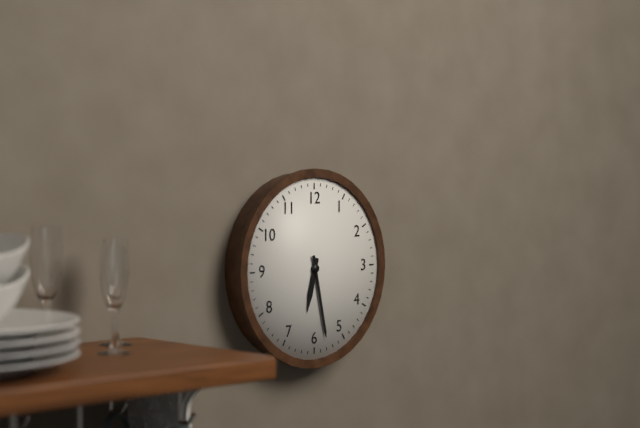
6h28
